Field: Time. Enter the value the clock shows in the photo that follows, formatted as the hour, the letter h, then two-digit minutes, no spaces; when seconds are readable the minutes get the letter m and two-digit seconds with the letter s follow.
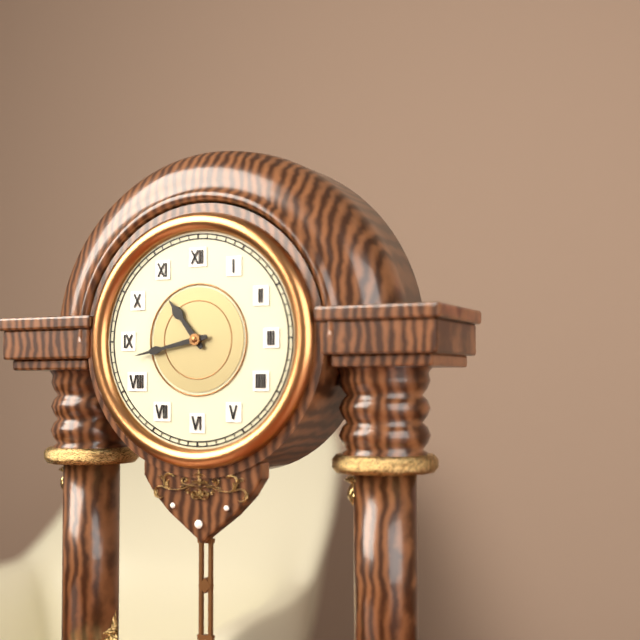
10h43
